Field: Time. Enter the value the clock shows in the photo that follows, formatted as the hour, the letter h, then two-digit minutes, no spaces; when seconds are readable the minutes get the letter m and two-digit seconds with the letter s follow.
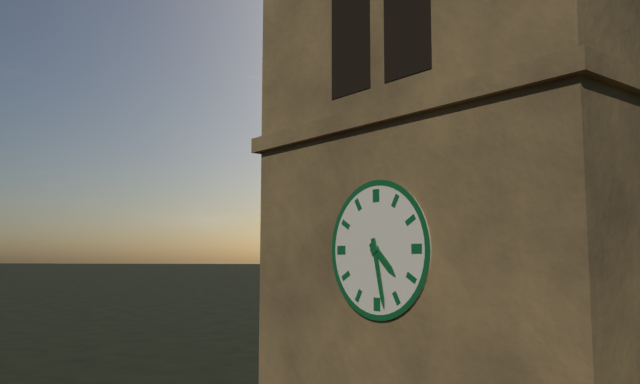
4h28
